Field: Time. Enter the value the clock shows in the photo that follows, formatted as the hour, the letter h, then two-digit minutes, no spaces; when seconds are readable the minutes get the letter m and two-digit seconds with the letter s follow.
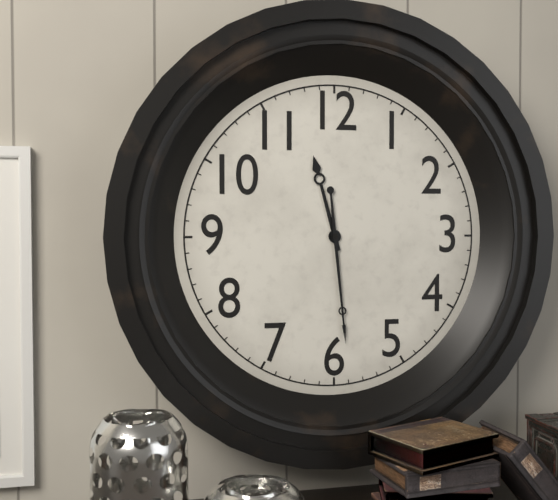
11h29
